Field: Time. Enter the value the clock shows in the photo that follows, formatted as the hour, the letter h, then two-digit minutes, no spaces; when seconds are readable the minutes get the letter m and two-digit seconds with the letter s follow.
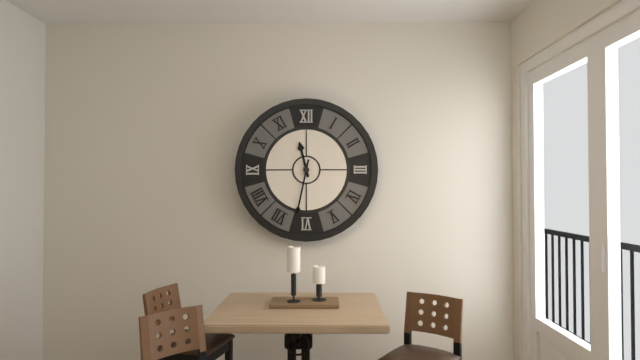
11h32
